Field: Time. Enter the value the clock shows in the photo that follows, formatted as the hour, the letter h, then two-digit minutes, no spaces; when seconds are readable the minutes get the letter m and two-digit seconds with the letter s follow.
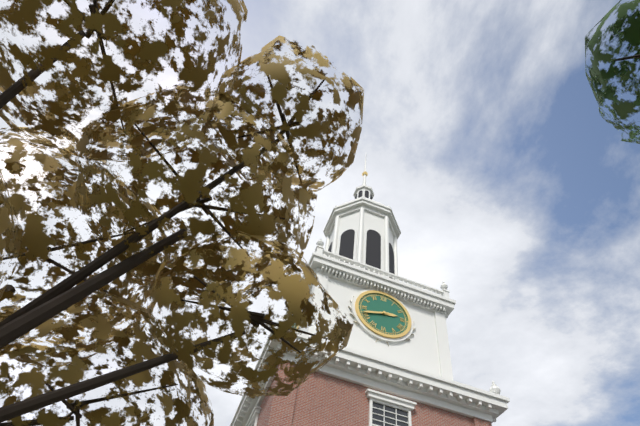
2h42
